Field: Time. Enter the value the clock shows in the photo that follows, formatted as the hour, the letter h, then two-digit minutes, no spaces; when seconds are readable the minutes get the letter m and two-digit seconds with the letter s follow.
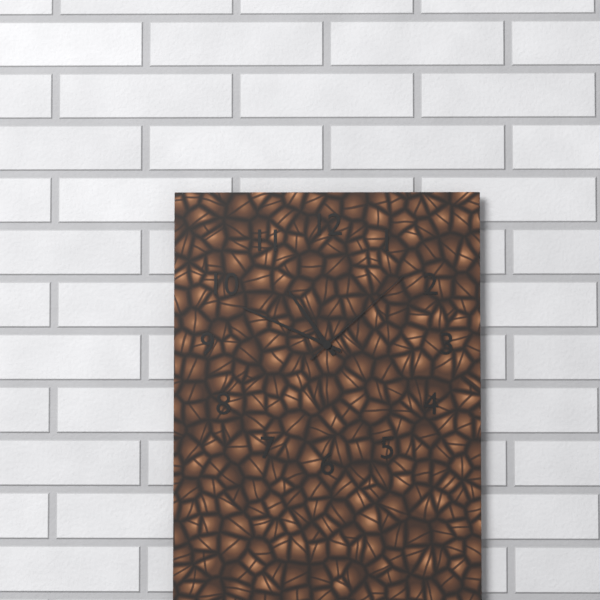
10h49m08s
